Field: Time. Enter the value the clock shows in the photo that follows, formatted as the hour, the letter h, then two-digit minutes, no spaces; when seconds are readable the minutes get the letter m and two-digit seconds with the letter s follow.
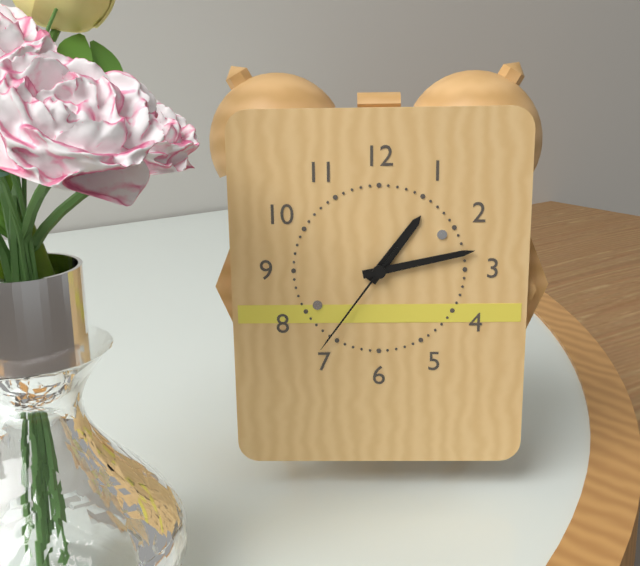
1h13m36s
